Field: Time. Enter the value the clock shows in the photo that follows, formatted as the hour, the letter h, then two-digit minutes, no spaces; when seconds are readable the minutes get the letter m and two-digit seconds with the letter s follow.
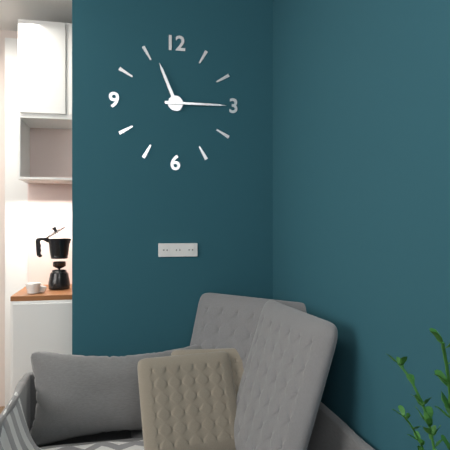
11h15
